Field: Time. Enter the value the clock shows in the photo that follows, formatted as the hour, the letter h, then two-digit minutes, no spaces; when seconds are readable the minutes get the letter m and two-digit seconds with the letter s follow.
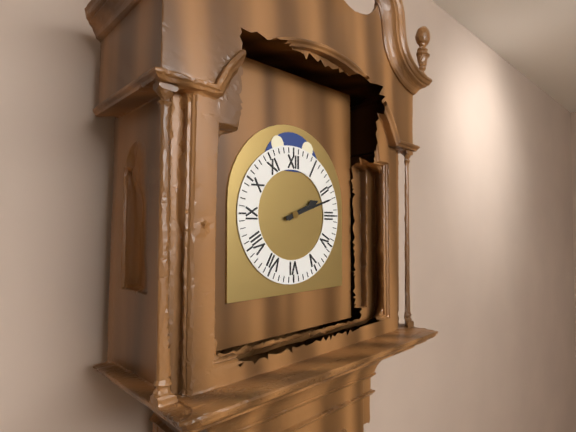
2h12
